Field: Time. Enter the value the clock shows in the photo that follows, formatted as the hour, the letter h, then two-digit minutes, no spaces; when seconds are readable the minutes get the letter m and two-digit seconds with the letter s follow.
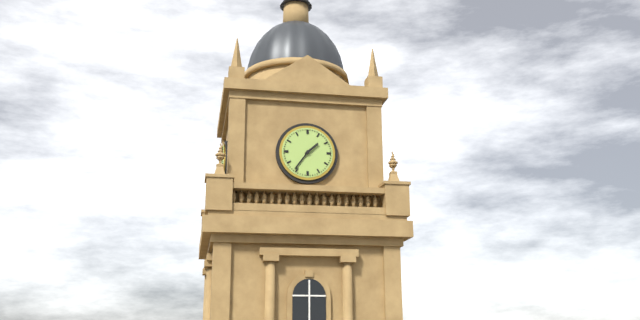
1h36
